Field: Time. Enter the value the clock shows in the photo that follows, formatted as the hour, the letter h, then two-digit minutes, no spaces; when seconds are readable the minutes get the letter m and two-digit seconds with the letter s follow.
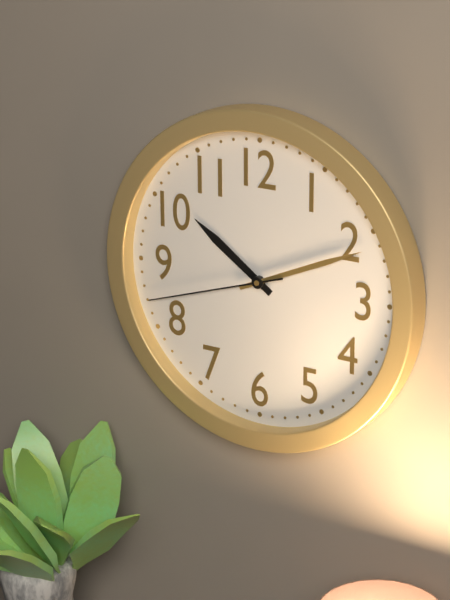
10h11m42s
